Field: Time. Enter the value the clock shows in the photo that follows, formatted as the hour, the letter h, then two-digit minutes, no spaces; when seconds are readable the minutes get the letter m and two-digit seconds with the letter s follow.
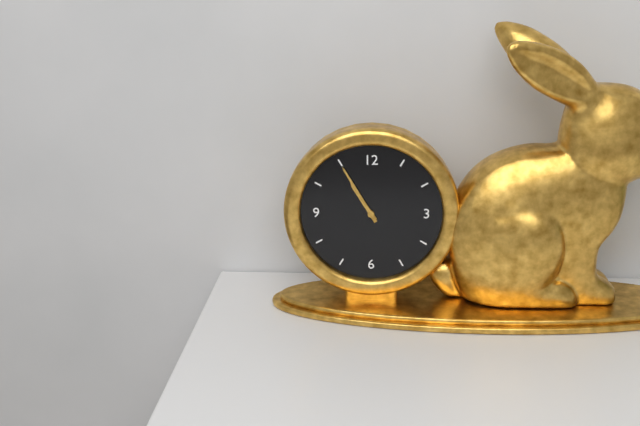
10h55
